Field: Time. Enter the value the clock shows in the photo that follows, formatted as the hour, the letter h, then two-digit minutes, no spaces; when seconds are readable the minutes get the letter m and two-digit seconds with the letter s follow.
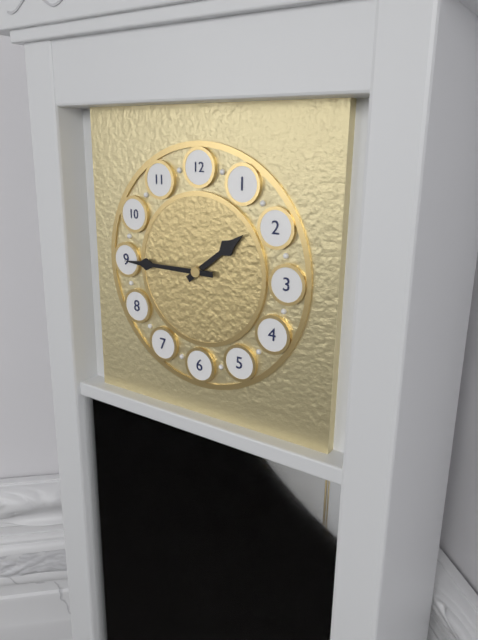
1h45
